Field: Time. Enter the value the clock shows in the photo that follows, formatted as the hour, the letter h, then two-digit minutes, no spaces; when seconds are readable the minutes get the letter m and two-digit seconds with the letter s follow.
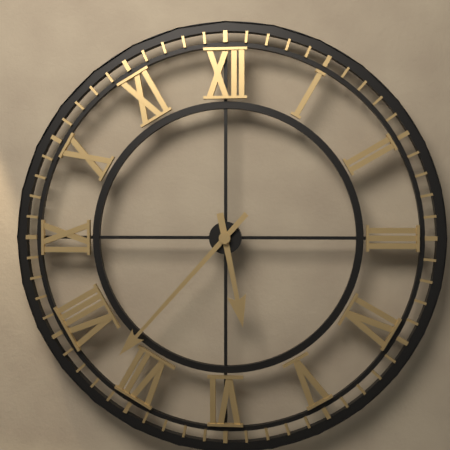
5h37
